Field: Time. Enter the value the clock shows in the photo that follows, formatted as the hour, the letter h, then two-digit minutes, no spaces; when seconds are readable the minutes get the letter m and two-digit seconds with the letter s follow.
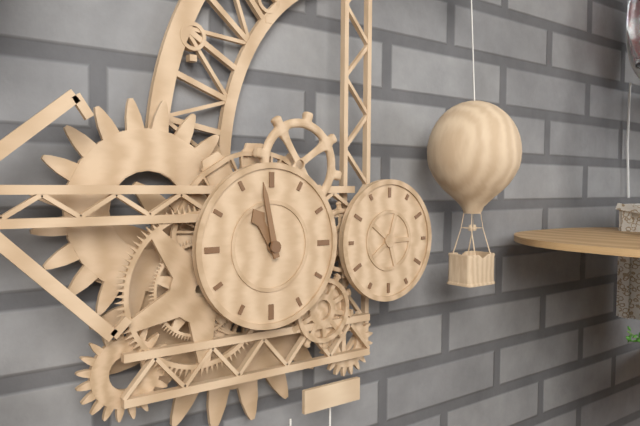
10h58
